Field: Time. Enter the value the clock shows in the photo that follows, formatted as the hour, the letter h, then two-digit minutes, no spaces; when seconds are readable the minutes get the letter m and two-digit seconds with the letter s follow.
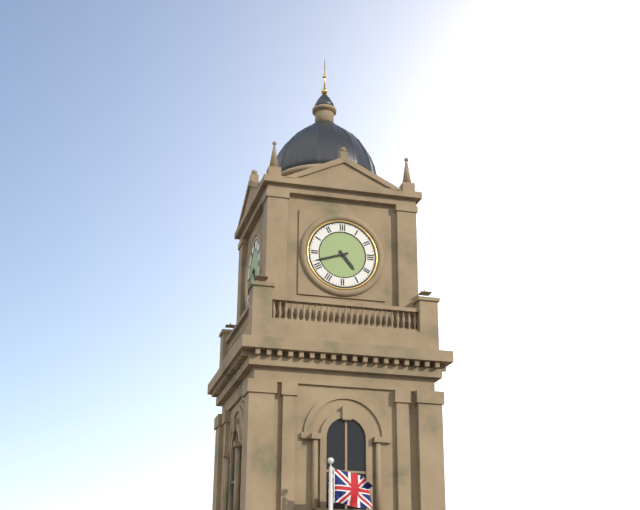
4h42
